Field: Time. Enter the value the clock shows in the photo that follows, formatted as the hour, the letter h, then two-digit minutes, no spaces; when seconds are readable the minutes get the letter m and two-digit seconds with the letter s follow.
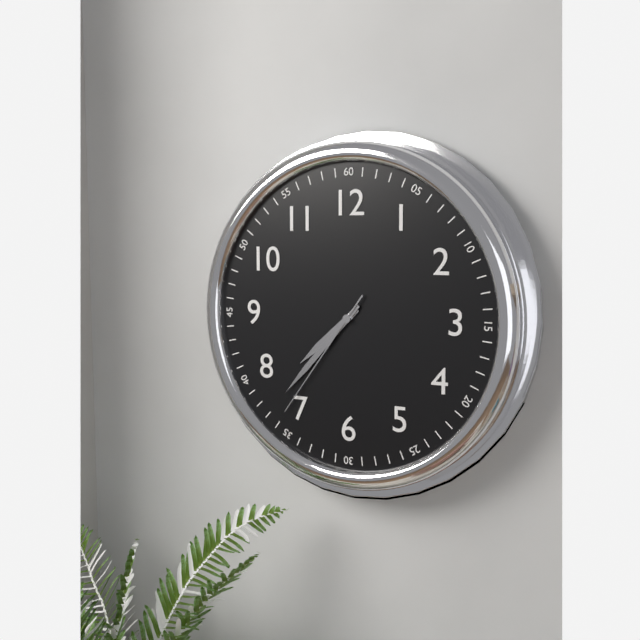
7h37m36s
